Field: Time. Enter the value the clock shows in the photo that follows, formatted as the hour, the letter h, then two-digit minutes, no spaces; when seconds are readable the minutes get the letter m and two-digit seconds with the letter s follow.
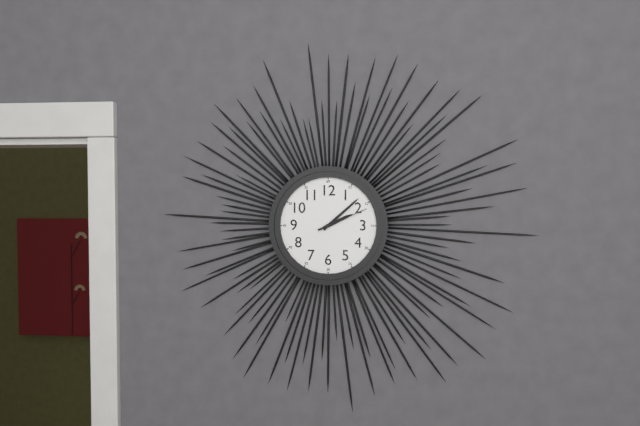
2h08m11s
